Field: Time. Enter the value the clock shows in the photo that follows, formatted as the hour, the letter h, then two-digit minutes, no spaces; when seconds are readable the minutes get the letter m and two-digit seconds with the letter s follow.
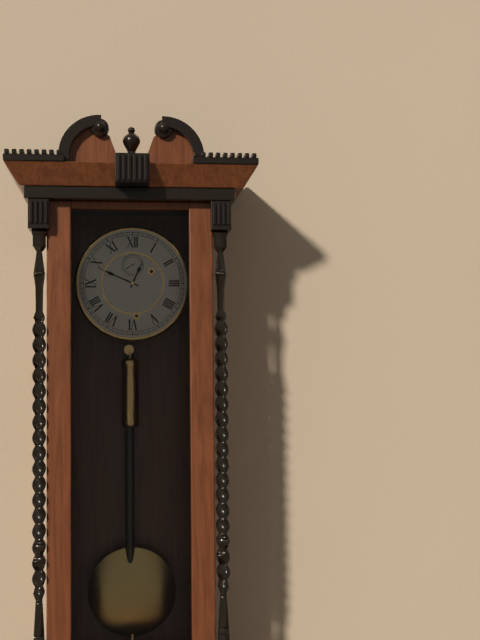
12h49
